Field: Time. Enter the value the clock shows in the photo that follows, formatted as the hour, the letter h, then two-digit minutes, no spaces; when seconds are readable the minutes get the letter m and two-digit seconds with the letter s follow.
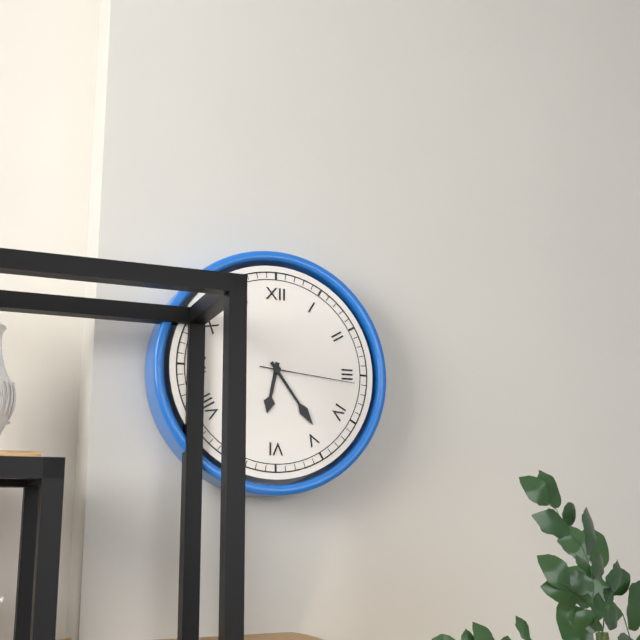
6h24m16s
